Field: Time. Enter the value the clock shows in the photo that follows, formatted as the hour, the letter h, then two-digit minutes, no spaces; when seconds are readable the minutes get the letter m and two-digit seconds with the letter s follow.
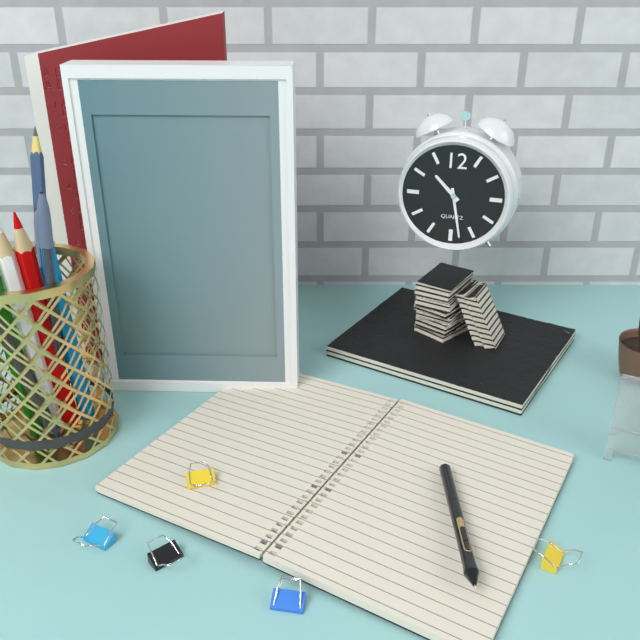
10h28
